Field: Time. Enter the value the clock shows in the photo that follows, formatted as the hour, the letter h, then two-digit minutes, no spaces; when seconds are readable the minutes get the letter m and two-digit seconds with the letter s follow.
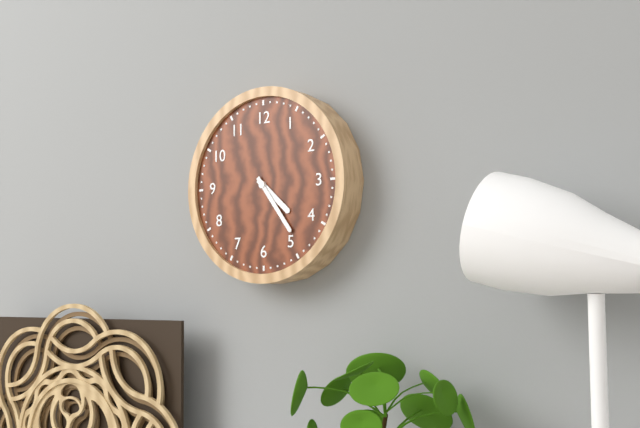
4h24
